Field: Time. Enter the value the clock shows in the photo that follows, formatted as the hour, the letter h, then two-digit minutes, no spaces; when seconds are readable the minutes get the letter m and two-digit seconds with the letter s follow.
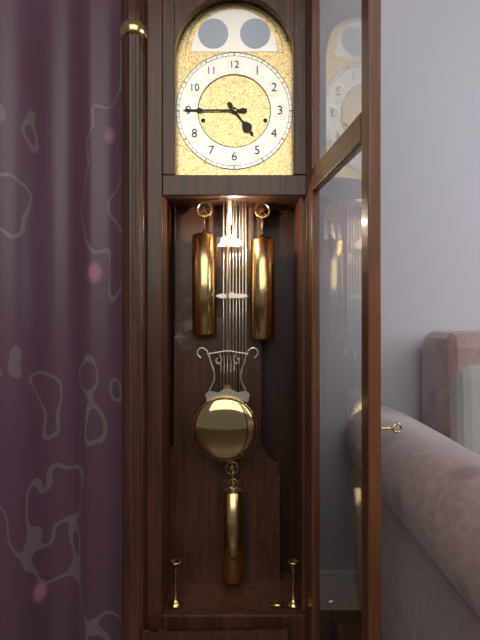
4h45
